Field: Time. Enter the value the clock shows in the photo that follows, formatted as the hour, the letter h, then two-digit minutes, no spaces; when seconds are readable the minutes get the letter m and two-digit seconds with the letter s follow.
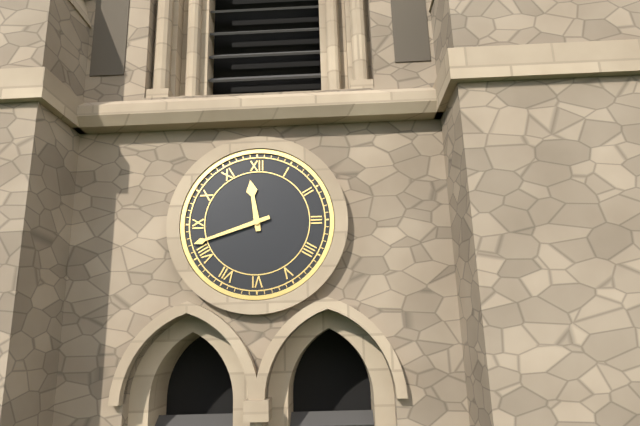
11h42
